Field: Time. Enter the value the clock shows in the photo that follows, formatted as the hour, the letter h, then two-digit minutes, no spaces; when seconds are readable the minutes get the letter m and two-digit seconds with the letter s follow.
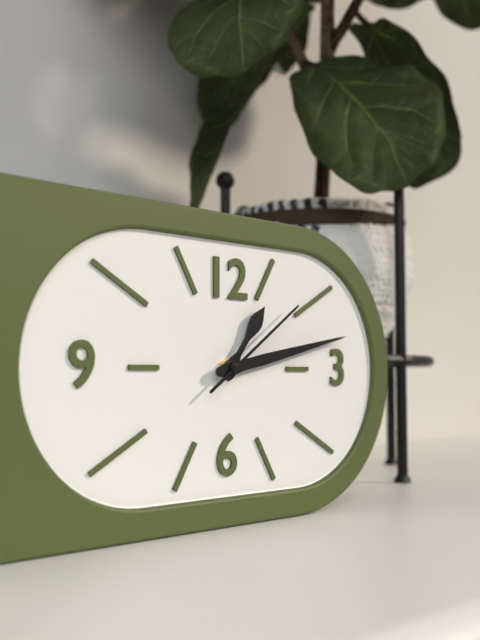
1h13m09s
